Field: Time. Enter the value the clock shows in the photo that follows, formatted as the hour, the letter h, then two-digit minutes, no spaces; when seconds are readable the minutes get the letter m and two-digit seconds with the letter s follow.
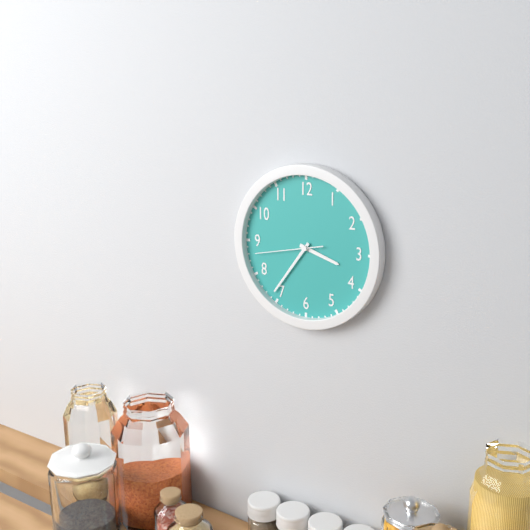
3h36m43s
